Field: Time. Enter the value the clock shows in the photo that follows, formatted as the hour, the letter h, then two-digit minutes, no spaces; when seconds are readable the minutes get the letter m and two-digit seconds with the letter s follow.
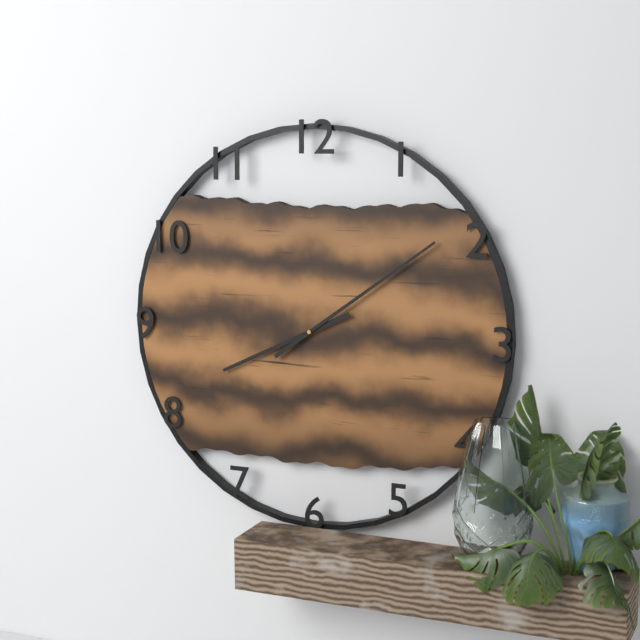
8h09
